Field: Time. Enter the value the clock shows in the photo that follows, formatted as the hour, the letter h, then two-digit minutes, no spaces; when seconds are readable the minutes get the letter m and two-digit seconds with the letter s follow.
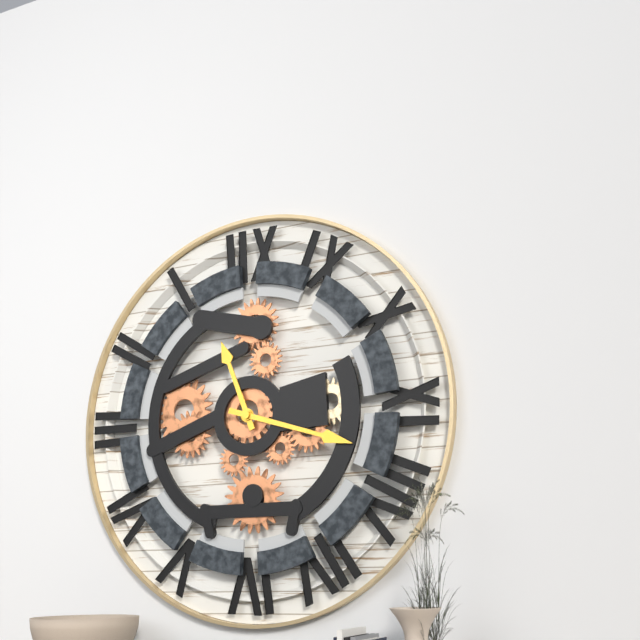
11h18
